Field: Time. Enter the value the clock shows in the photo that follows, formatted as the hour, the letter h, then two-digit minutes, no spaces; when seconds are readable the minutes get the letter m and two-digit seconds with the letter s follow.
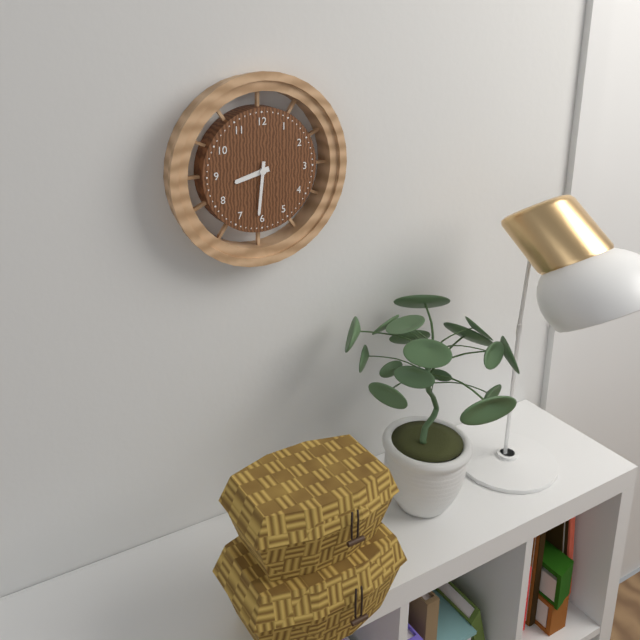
8h31
